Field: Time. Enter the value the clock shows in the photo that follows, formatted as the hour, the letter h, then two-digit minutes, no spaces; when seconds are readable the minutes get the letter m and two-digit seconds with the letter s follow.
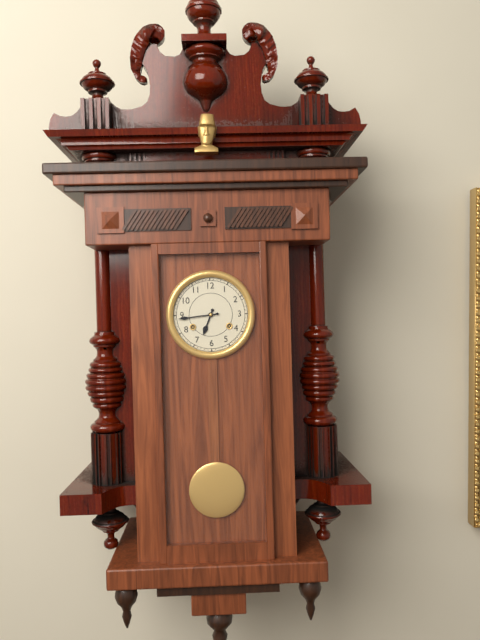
6h44
